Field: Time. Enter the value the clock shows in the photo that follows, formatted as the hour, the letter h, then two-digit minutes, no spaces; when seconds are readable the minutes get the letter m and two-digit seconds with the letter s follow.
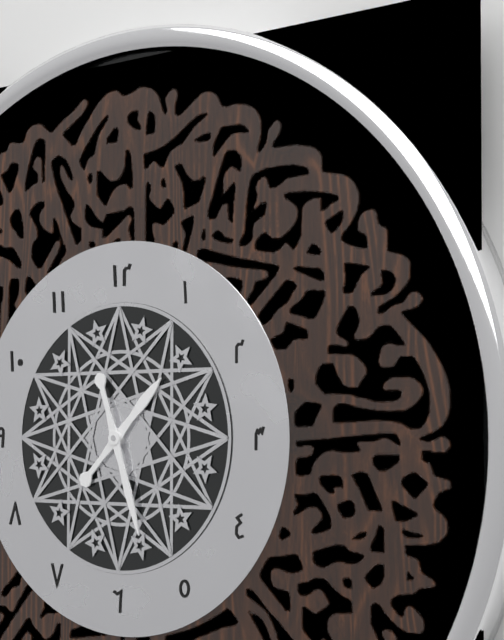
1h27
